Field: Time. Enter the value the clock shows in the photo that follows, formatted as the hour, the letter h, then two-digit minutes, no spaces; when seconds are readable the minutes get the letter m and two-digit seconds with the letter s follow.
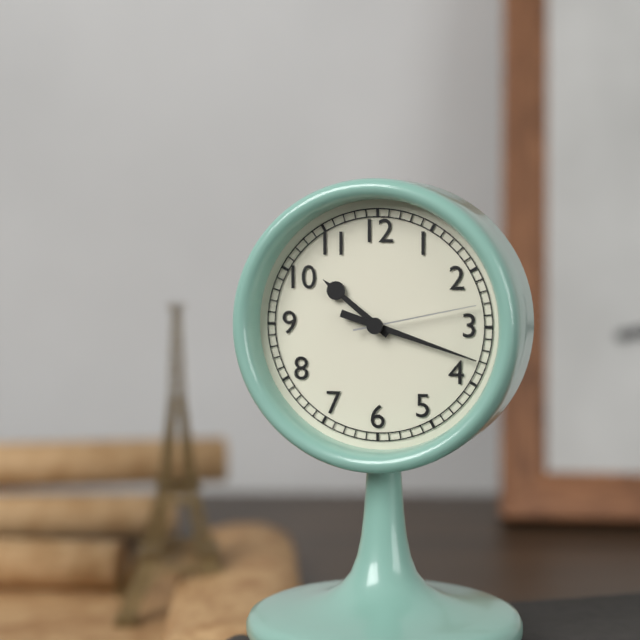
10h18m13s
